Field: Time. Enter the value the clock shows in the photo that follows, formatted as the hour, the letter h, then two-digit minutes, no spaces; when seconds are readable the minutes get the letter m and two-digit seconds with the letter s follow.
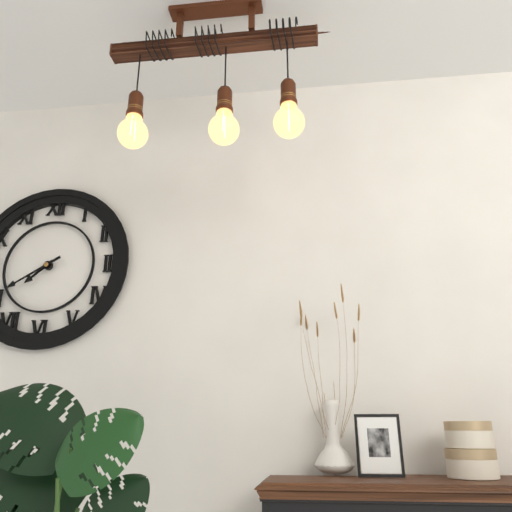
7h40
